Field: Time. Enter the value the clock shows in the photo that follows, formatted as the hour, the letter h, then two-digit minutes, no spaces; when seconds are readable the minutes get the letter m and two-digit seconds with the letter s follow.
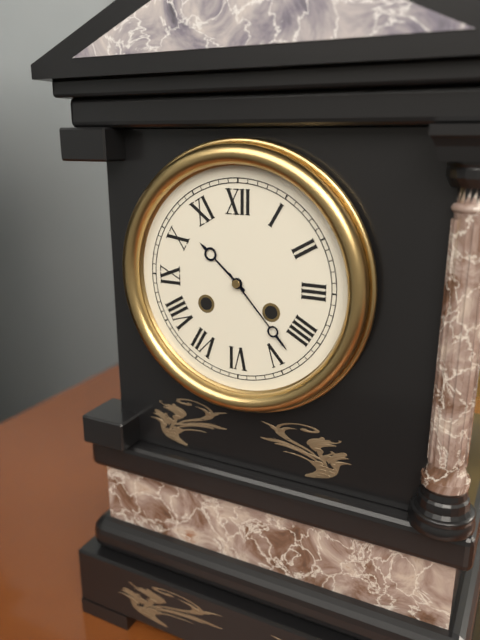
10h23
